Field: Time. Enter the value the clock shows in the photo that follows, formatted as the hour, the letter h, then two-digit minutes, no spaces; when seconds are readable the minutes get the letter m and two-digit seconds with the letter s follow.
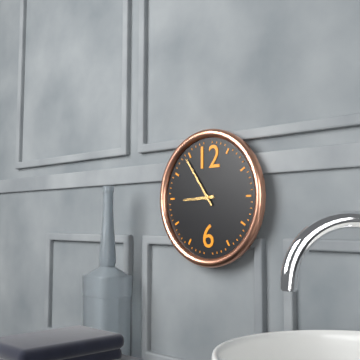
8h54
